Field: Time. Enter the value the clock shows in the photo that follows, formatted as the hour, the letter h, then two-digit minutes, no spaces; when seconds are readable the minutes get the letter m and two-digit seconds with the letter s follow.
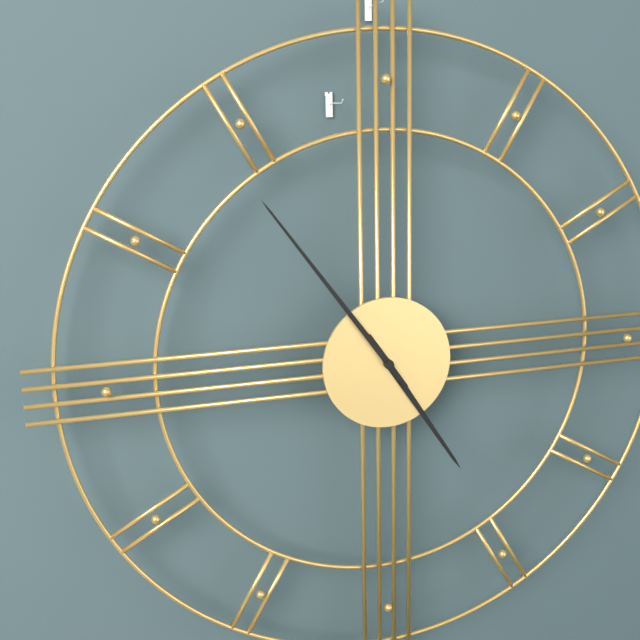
4h54
